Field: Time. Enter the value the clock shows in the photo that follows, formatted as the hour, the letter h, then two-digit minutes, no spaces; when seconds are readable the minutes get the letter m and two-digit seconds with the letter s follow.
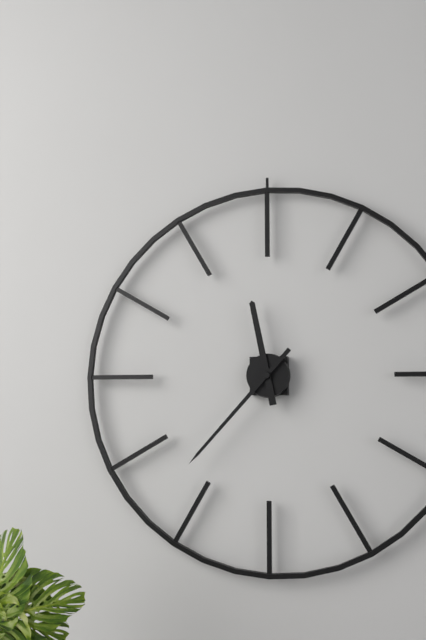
11h37
